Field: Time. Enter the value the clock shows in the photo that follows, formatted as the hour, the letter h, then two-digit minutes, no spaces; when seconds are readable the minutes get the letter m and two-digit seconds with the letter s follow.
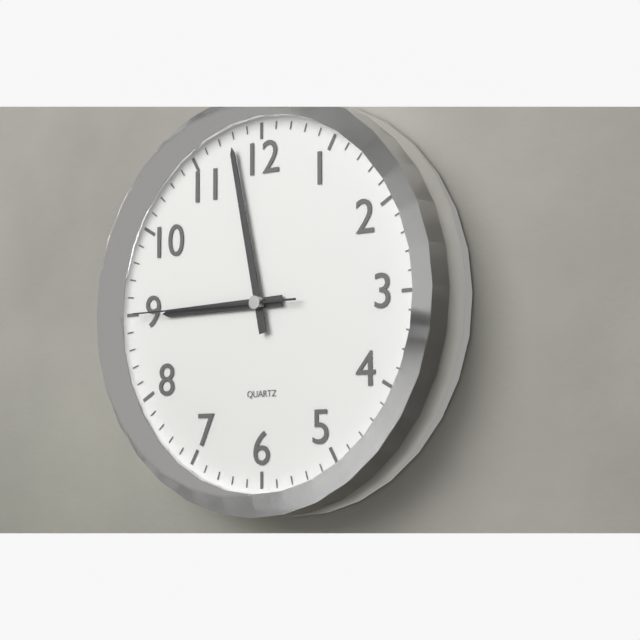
8h58m45s
